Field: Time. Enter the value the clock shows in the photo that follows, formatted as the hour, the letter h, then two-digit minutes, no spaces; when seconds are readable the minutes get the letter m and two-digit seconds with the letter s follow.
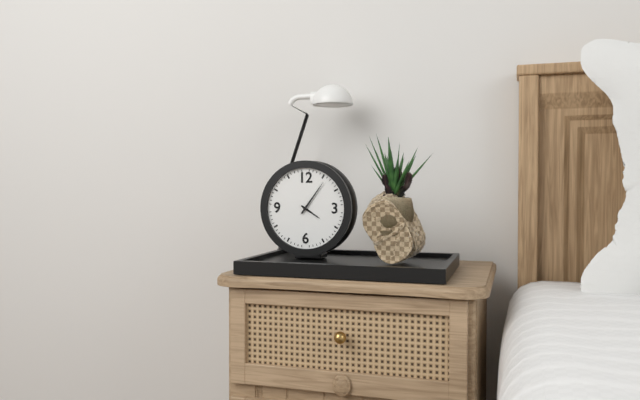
4h06
